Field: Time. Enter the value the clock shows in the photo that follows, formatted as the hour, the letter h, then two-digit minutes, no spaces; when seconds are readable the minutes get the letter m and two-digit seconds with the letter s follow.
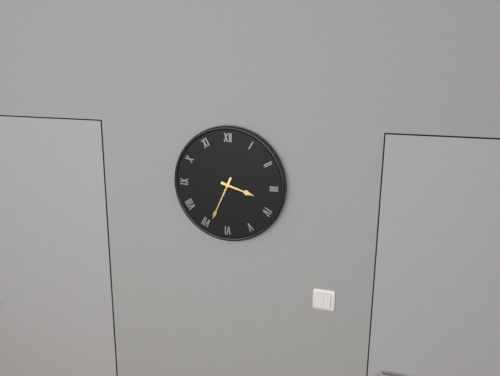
3h34
